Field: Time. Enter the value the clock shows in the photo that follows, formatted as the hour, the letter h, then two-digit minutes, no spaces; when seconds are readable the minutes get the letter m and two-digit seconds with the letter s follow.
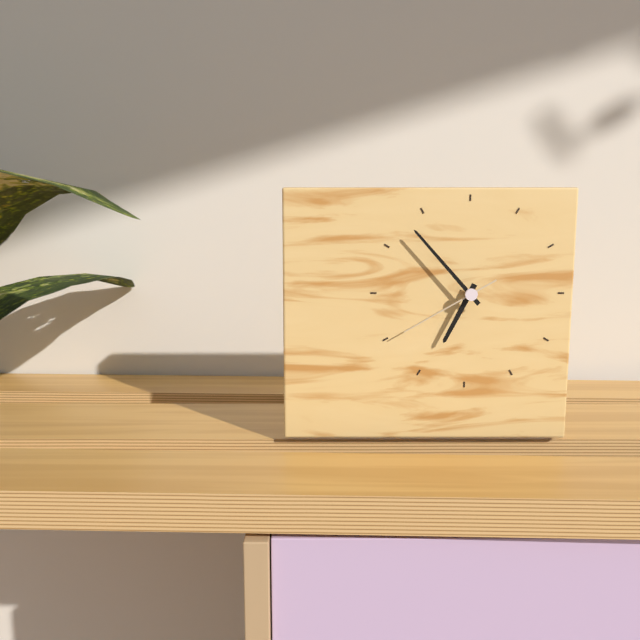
6h53m40s
